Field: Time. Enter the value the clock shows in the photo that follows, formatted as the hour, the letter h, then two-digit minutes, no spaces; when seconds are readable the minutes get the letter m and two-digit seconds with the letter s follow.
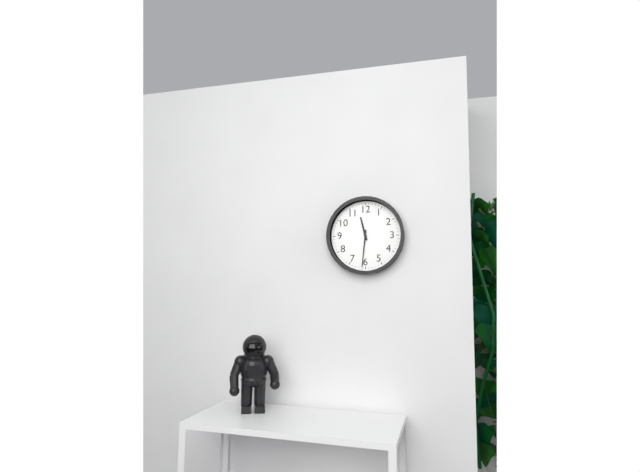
11h31
